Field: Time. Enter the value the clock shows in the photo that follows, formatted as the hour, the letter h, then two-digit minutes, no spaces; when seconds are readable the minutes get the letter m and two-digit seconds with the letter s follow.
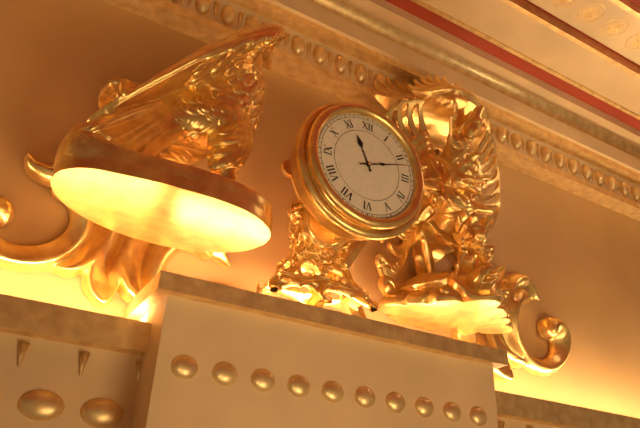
11h12
